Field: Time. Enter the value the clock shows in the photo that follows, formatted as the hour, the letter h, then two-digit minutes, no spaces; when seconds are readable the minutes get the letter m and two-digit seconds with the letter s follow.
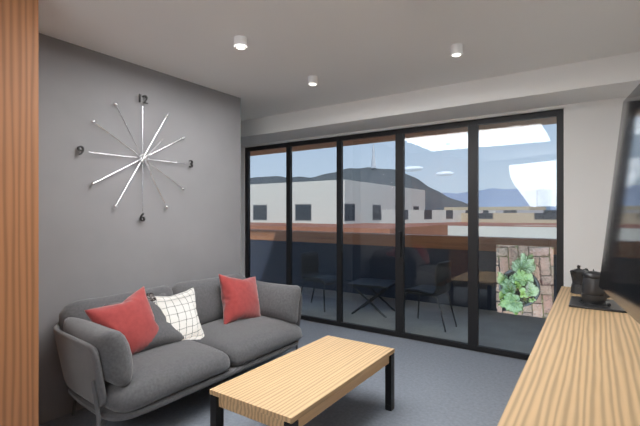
5h07
